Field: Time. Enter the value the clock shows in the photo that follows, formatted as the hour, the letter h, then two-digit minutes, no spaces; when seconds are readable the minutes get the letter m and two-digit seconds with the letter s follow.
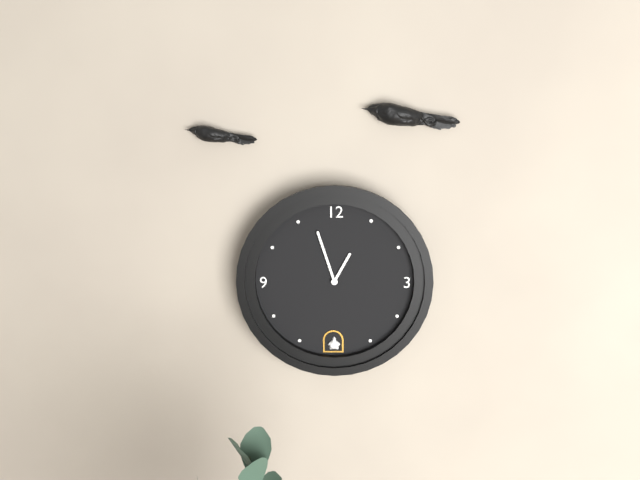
12h57
